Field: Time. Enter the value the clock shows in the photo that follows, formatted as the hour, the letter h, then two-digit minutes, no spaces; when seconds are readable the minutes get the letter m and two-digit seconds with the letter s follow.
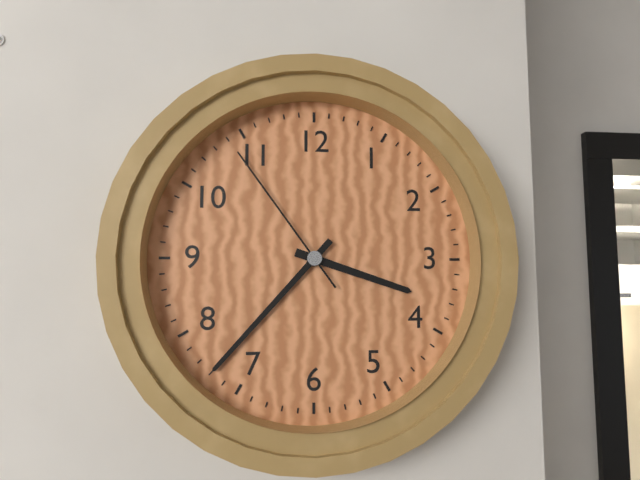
3h37m54s
